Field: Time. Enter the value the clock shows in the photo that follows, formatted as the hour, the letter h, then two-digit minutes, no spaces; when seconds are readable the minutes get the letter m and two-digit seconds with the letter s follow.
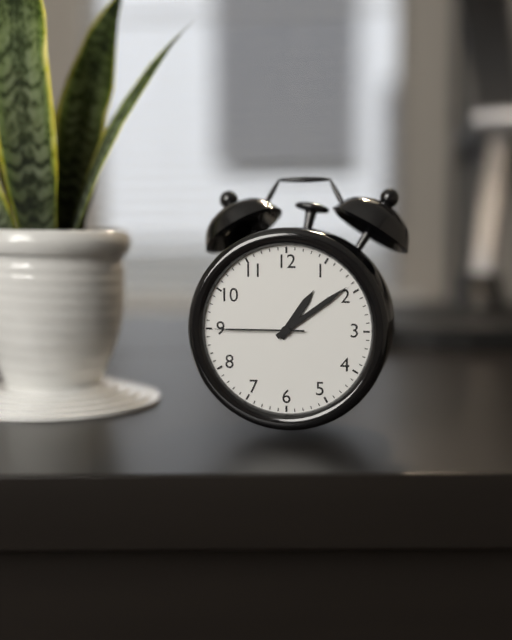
1h09m45s
